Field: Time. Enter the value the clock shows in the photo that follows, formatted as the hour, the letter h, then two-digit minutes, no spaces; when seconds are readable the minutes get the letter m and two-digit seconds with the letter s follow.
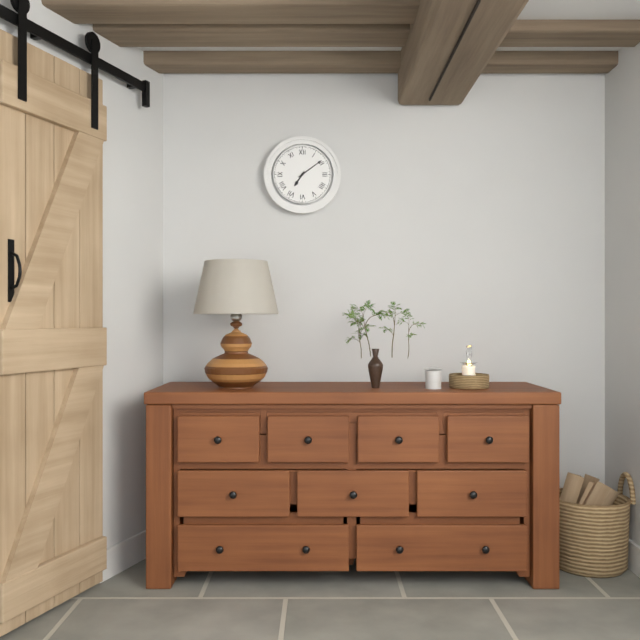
7h09
